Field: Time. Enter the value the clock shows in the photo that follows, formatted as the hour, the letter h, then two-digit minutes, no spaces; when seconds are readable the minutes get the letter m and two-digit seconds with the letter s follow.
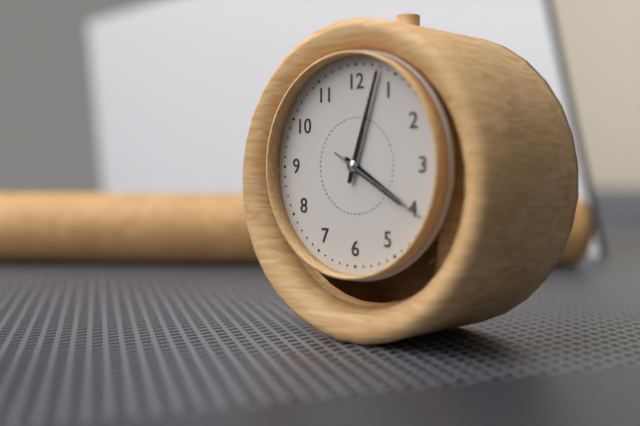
4h03m20s
